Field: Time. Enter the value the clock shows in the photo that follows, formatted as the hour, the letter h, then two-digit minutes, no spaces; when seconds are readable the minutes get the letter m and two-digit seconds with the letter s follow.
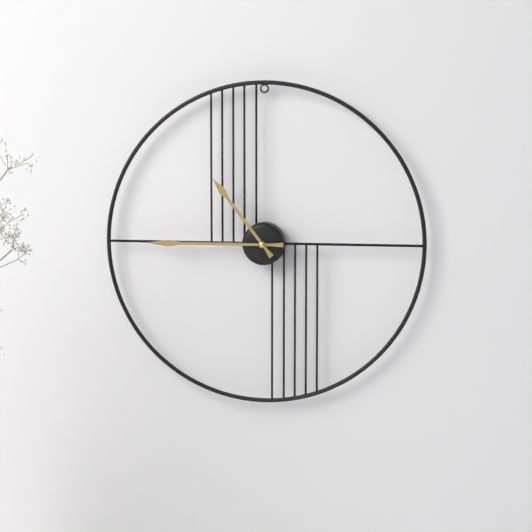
10h45
